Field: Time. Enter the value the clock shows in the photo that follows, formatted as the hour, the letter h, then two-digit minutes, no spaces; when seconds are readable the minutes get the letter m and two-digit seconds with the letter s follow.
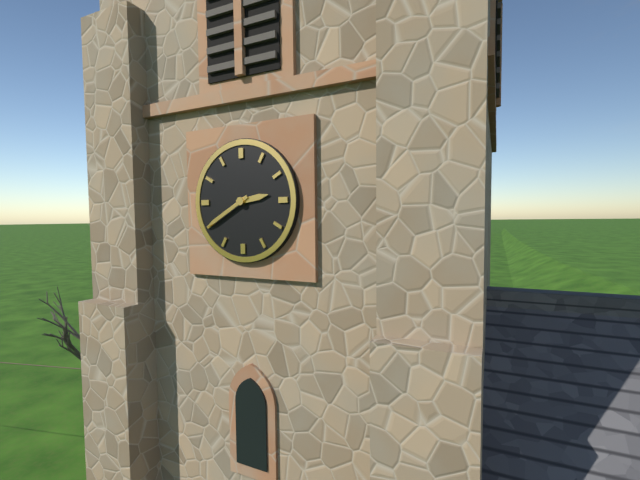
2h40
